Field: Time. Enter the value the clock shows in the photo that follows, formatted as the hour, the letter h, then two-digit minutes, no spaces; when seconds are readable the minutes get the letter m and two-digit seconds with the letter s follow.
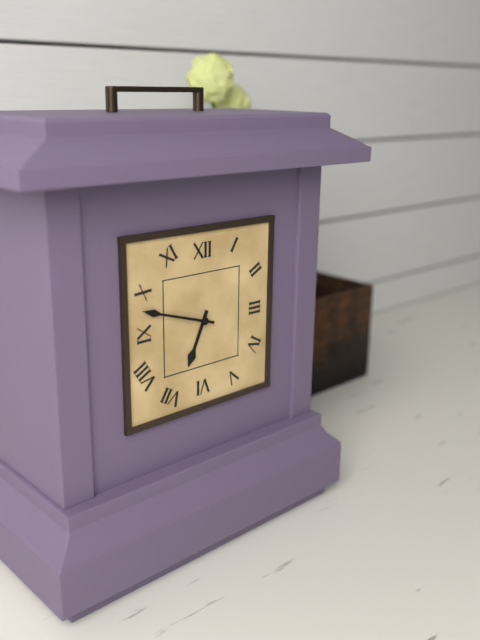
6h48
